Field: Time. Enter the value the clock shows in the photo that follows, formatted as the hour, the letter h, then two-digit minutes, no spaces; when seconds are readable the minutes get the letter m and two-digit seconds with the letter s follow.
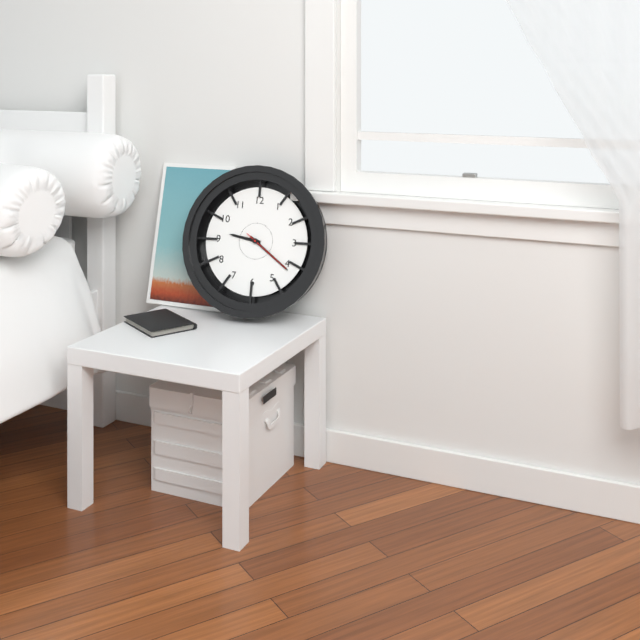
9h21m21s
